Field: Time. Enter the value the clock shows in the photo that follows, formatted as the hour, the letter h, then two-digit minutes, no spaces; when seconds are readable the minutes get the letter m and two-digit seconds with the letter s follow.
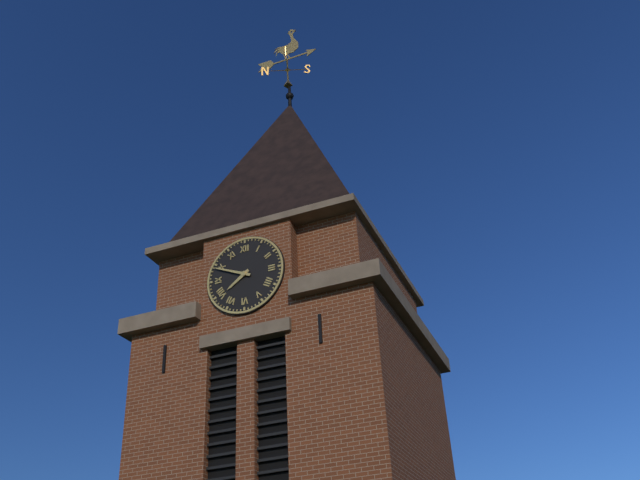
7h49
